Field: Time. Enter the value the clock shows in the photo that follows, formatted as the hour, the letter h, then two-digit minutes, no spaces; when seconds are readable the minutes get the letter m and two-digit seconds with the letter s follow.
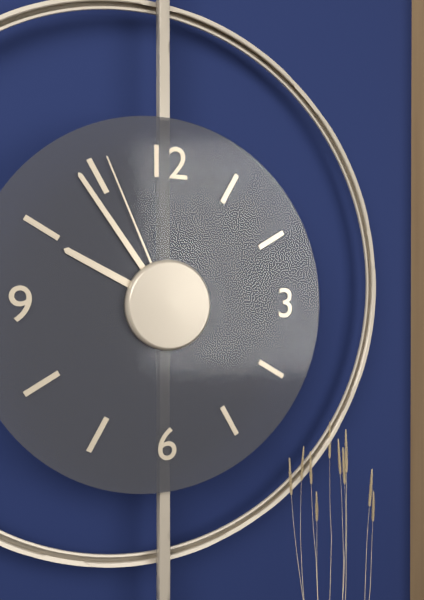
9h54m56s
